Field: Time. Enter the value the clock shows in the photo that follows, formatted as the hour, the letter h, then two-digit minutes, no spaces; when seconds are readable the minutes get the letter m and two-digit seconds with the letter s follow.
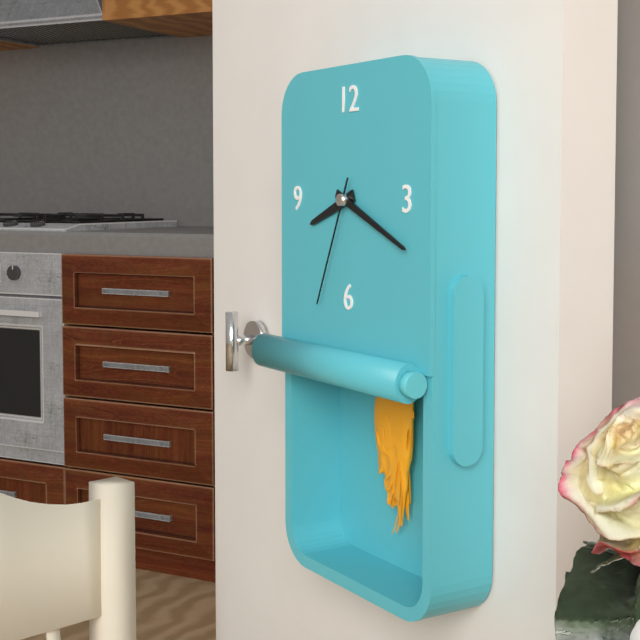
8h19m34s
